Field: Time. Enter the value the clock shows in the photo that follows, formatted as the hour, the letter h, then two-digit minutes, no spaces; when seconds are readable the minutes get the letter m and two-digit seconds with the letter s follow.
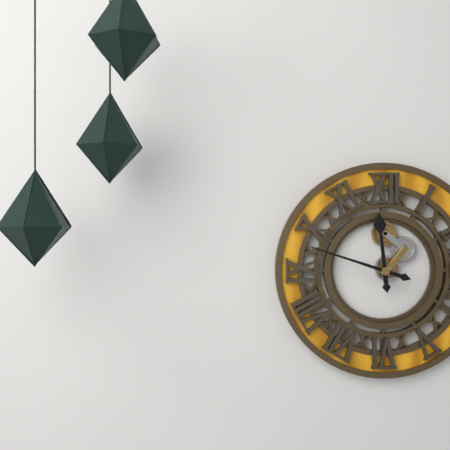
11h48
